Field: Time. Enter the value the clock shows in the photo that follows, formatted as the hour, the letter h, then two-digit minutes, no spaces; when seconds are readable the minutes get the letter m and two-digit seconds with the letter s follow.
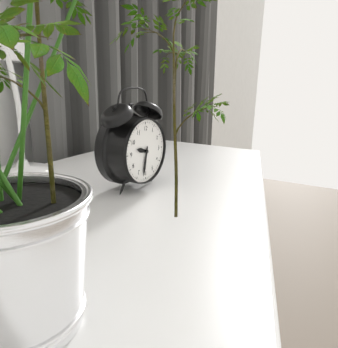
9h32
